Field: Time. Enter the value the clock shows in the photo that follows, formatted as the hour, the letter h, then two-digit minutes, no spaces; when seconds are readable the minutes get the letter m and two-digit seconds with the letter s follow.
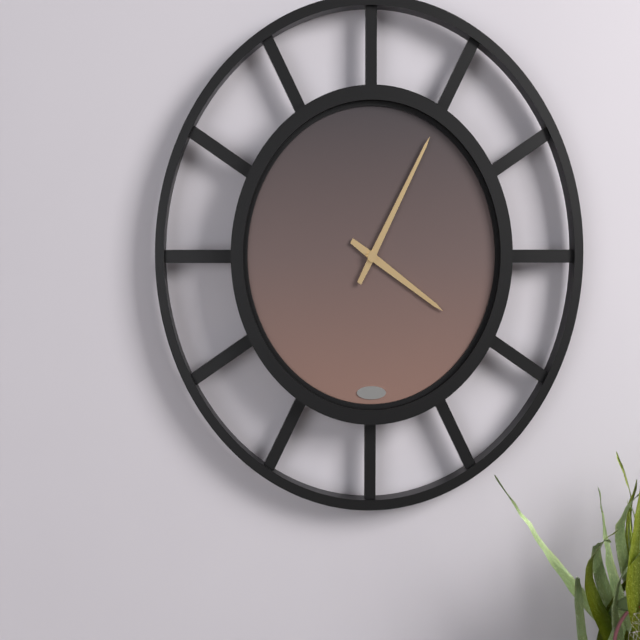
4h05
